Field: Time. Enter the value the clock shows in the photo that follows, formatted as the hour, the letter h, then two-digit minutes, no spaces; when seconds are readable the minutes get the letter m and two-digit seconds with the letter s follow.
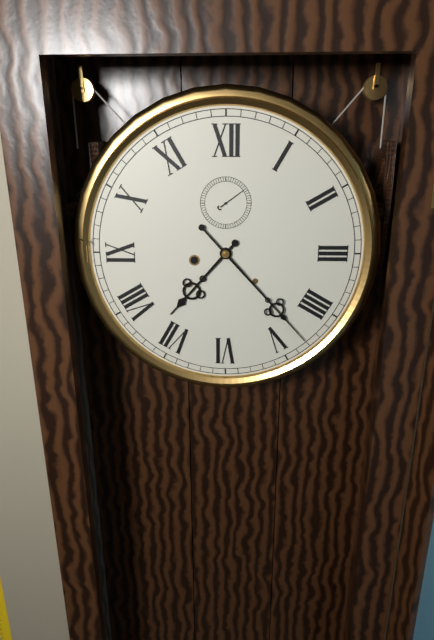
7h23
